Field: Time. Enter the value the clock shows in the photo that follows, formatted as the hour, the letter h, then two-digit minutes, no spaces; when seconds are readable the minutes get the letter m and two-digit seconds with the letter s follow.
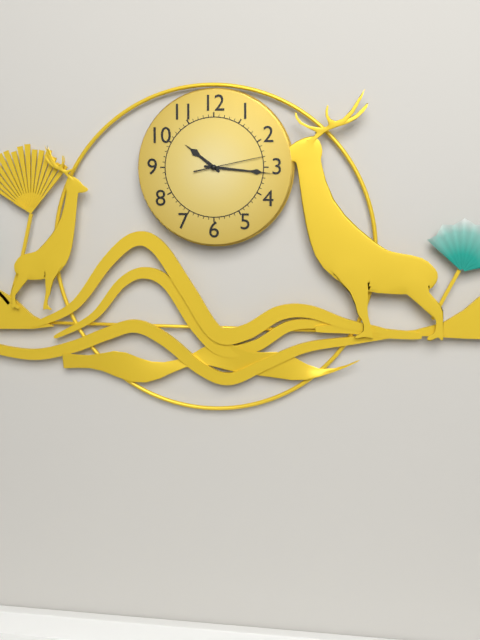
10h16m13s
